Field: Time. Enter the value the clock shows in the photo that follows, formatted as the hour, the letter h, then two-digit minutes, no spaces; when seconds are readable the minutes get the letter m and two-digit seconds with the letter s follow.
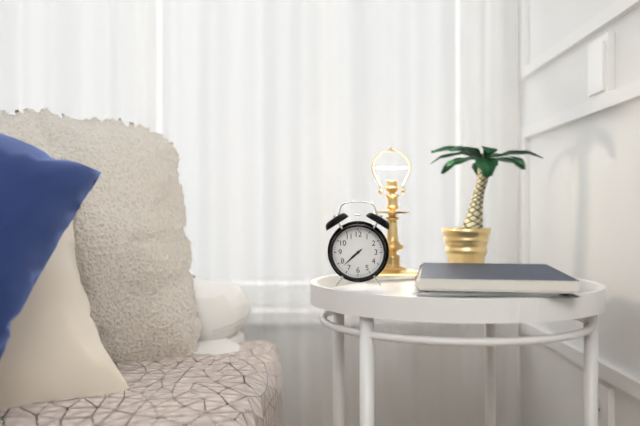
7h38
